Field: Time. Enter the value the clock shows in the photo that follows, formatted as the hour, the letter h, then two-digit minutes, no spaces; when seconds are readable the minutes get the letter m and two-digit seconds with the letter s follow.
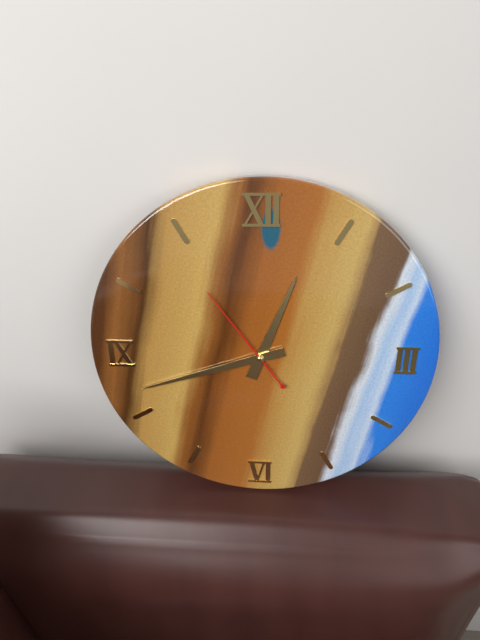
12h42m54s
